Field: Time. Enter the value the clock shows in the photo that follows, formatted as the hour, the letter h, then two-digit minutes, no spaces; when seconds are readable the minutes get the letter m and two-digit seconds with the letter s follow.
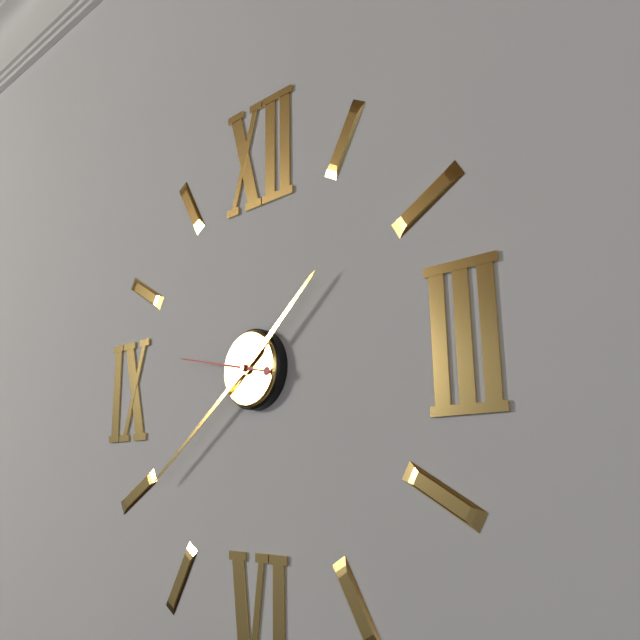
1h39m47s
